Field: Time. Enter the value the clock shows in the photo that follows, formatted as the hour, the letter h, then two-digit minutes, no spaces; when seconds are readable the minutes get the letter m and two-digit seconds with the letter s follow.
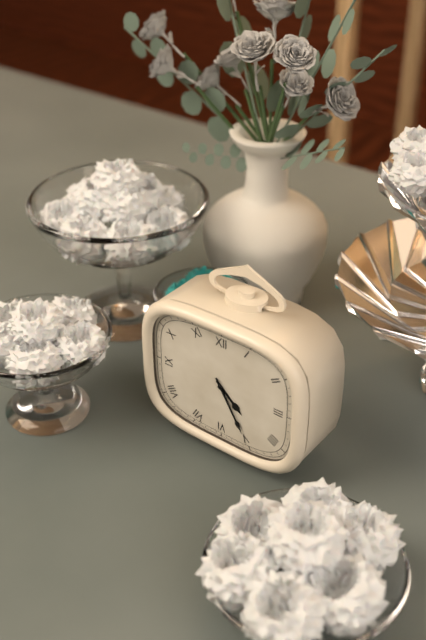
4h25
